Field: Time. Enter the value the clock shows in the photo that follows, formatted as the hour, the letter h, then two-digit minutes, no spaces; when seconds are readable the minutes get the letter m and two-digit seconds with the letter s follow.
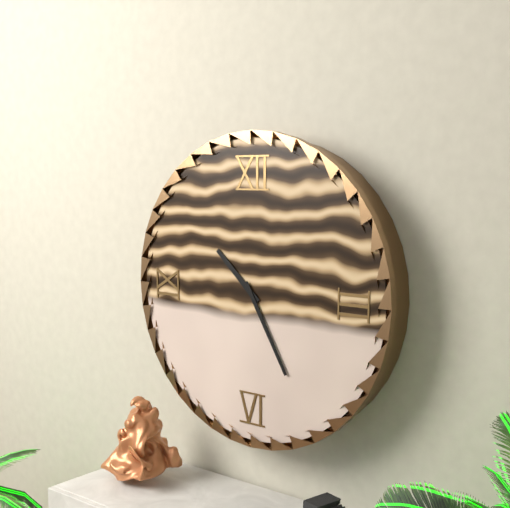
10h25
